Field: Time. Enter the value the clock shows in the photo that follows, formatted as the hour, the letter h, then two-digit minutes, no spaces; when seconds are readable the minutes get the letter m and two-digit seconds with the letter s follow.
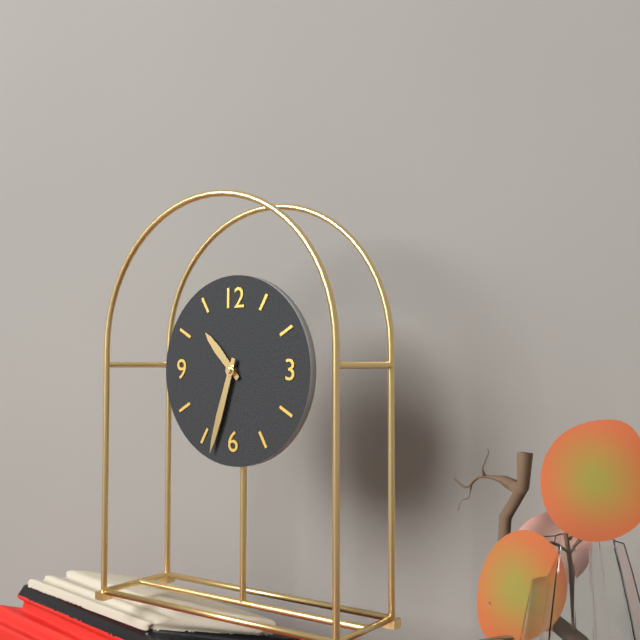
10h33
